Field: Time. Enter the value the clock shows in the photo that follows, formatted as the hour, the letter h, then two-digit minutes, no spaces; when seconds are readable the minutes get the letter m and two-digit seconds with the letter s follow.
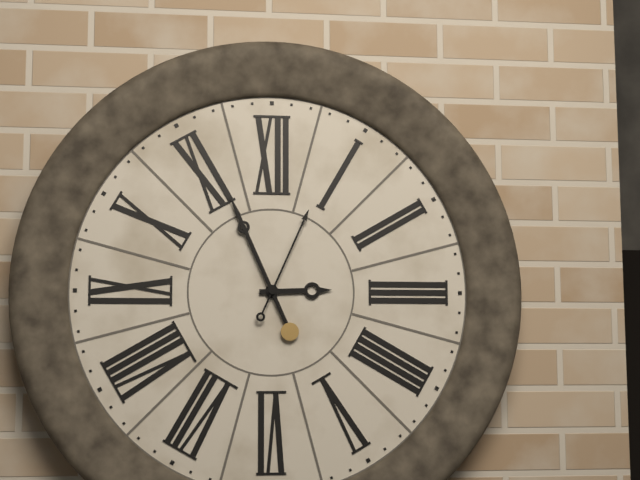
2h56m04s
